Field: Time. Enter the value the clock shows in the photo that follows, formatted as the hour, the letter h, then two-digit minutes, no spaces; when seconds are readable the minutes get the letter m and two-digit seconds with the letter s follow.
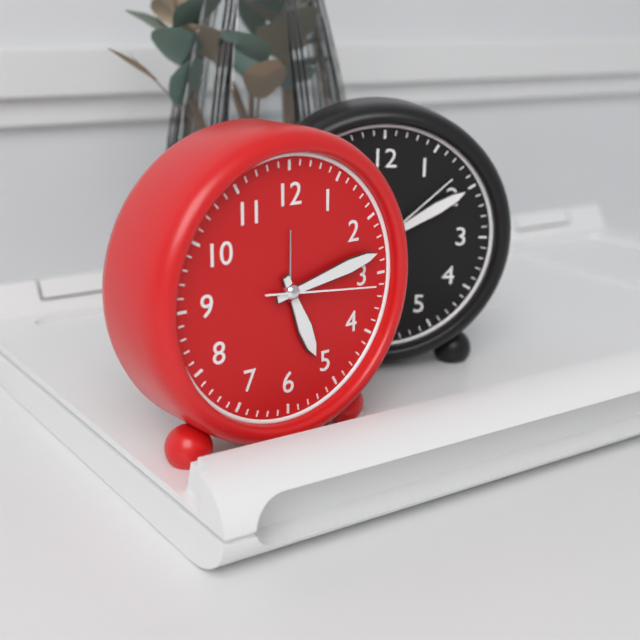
5h13m16s
